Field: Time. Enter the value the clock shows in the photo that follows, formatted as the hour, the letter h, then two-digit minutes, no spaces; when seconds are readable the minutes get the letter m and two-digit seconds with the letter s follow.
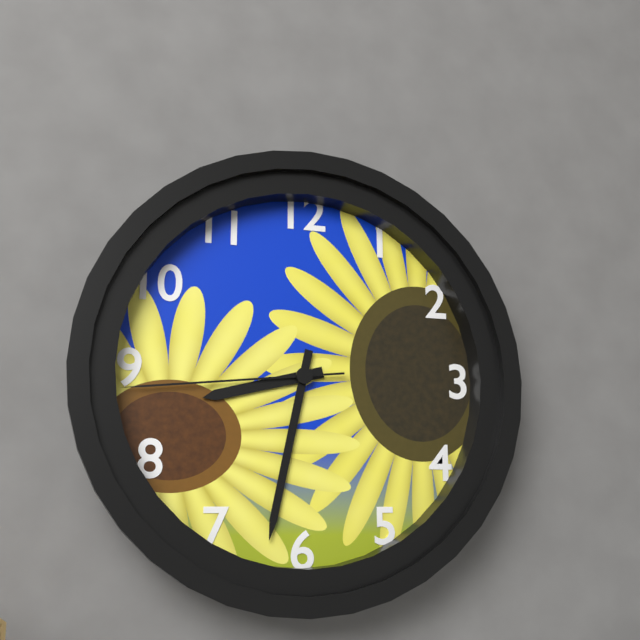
8h32m44s
